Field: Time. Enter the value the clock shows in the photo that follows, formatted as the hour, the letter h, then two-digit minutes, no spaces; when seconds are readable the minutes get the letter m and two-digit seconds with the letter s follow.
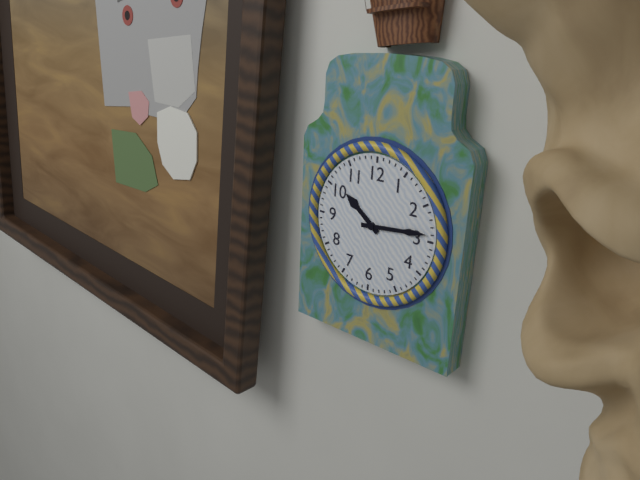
10h14
